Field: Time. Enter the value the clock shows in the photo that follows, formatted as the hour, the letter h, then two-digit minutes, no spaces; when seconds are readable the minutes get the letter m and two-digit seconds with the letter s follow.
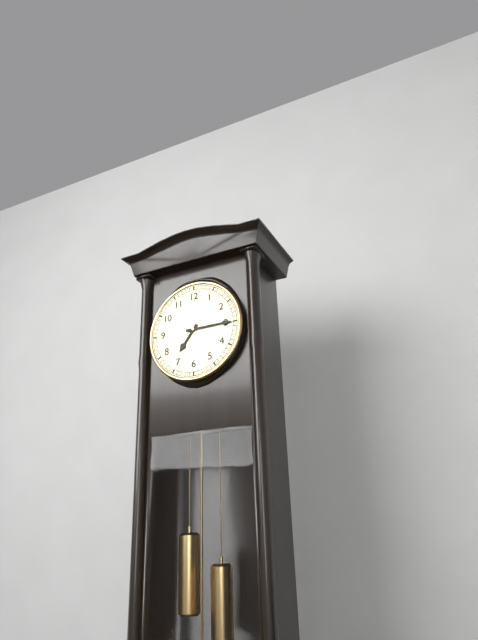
7h15
